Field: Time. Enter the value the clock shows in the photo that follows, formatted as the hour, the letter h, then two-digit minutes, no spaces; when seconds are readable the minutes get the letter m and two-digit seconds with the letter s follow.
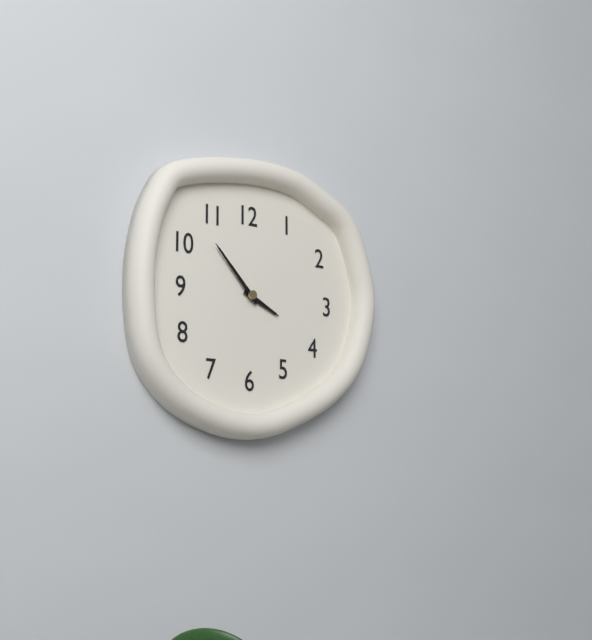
3h53
